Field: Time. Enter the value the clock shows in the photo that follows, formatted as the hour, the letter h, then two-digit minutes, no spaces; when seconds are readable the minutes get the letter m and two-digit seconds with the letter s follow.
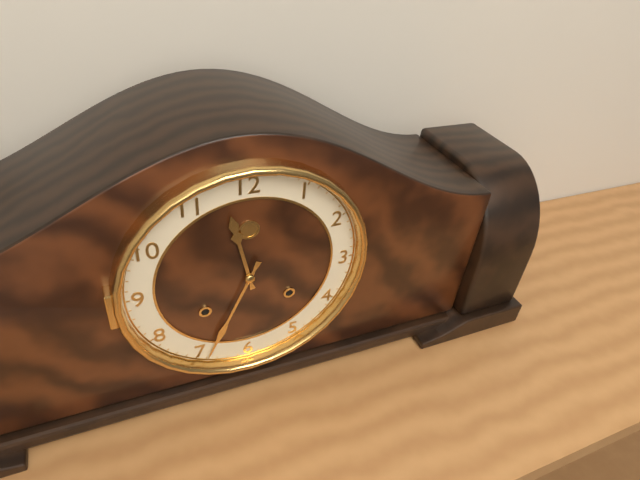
11h34
